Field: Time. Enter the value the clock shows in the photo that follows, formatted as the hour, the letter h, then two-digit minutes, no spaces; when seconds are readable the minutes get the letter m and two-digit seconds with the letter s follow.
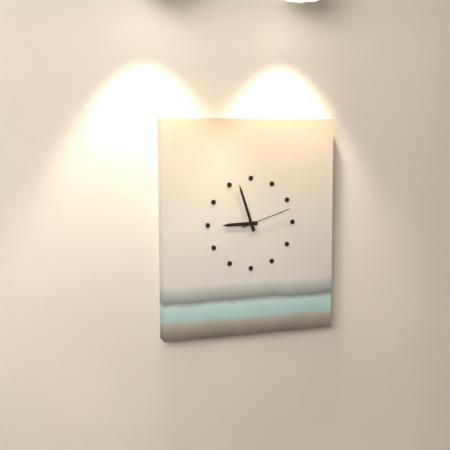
8h57m12s
